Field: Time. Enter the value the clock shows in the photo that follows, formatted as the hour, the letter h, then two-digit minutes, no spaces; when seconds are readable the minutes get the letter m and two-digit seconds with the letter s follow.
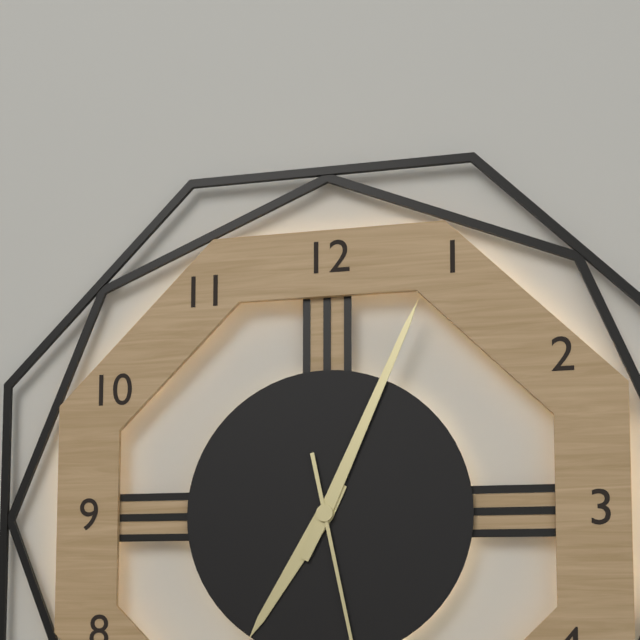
7h04
